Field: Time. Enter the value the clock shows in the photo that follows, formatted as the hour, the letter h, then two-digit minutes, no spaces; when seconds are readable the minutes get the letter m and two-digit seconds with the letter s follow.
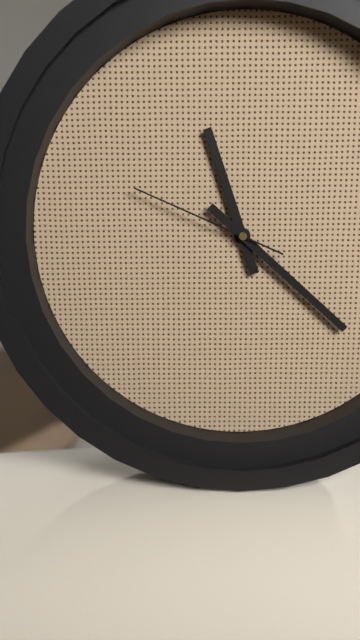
11h22m49s
